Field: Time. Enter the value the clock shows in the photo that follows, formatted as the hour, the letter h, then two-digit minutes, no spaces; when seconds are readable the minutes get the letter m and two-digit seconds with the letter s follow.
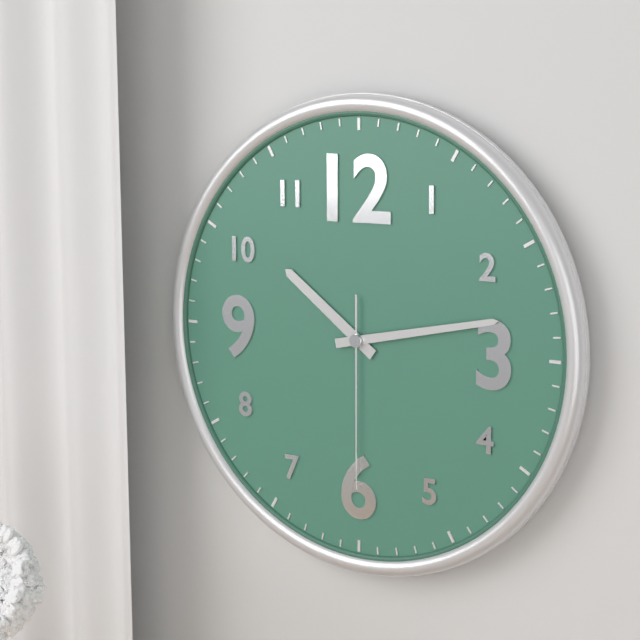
10h13m30s
